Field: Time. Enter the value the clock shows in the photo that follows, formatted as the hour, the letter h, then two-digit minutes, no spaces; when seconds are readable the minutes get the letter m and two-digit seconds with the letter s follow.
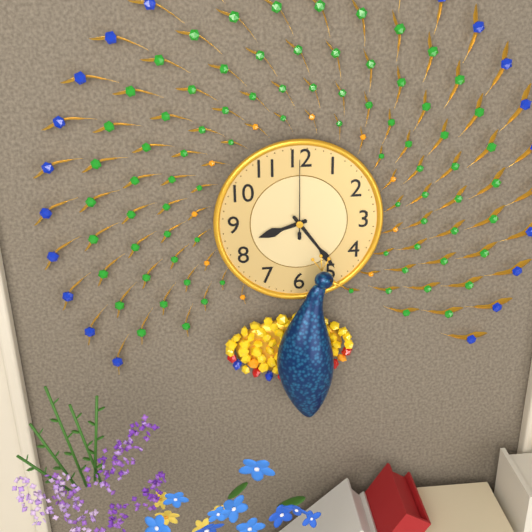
8h24m00s
